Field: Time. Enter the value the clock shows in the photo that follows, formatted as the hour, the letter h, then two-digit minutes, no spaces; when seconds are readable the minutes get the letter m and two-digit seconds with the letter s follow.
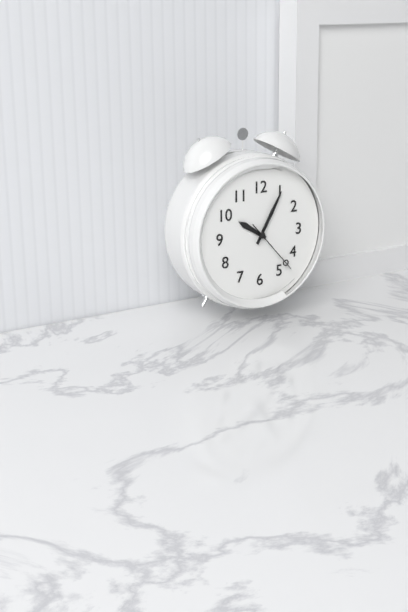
10h05m23s
